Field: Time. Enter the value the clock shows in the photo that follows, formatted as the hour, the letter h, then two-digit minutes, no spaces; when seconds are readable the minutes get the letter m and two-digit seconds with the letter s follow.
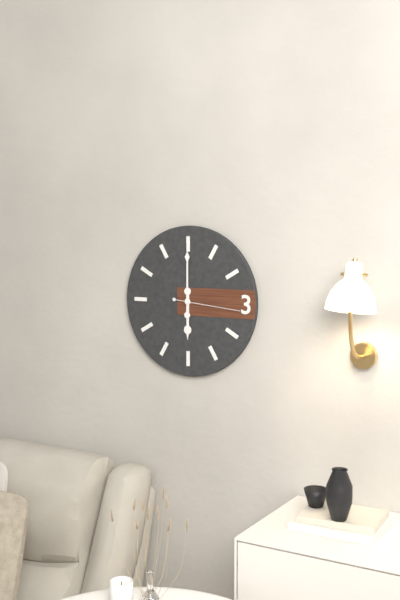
6h00m16s
